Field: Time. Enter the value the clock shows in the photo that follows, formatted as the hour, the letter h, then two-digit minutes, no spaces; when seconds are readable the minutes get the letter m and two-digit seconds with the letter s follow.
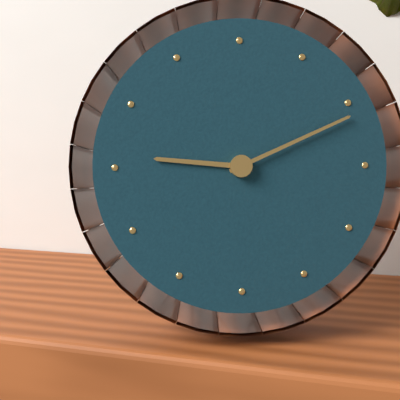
9h11
